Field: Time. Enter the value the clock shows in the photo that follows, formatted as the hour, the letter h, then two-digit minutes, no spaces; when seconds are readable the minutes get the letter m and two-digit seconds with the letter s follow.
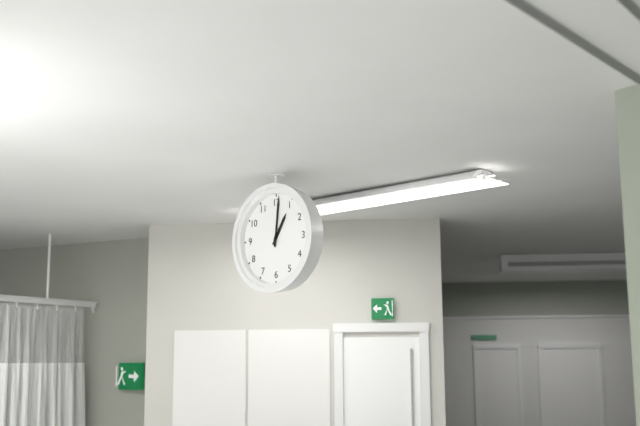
1h01
